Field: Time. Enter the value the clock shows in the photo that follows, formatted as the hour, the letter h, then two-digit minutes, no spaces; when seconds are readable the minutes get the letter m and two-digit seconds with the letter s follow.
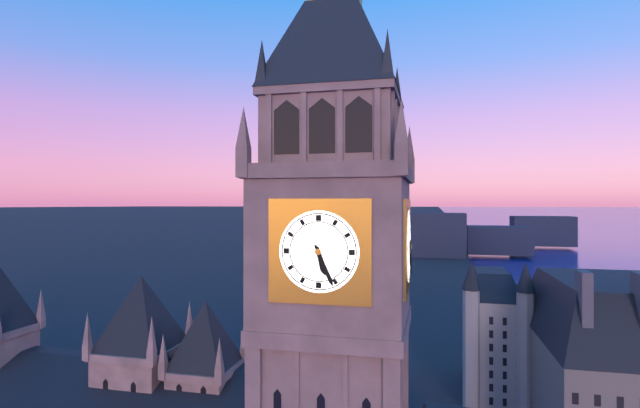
5h26
